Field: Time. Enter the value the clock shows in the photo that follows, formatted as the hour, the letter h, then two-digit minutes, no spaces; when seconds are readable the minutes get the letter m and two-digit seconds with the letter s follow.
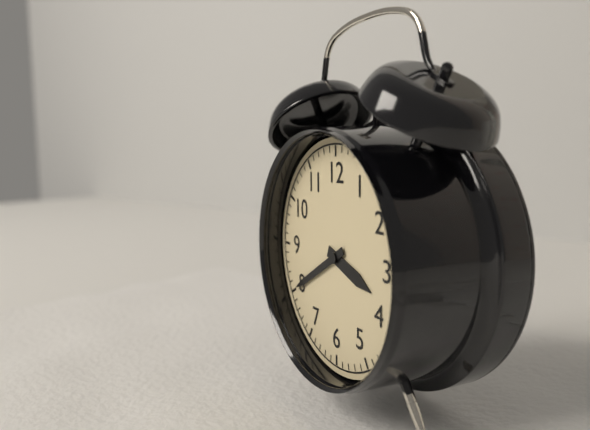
3h40
